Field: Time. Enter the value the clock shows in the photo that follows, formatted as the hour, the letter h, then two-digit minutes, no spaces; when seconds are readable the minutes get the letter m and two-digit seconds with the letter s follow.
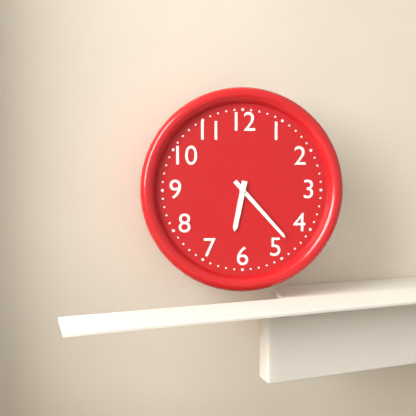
6h23
